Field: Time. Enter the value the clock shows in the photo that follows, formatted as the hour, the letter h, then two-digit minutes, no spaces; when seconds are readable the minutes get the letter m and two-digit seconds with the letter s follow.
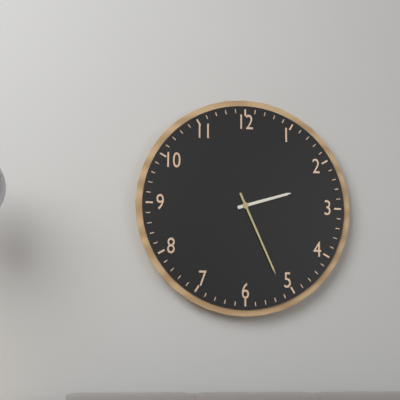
2h26
